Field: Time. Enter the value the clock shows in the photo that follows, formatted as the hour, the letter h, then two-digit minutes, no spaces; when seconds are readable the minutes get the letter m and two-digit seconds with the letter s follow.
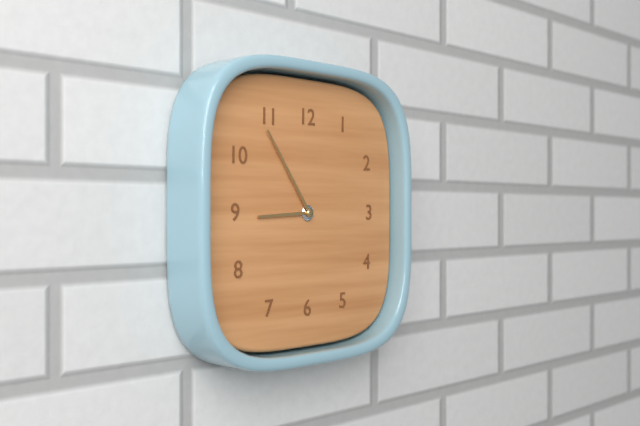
8h54
